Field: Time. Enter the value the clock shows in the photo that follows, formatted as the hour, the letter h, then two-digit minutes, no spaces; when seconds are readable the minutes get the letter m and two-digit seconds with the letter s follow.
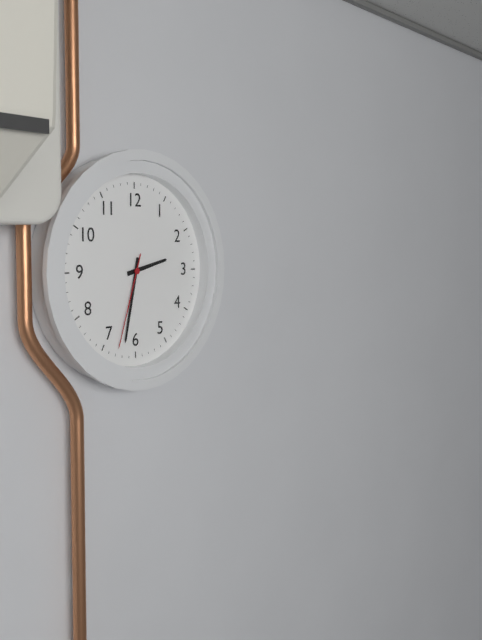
2h32m33s
